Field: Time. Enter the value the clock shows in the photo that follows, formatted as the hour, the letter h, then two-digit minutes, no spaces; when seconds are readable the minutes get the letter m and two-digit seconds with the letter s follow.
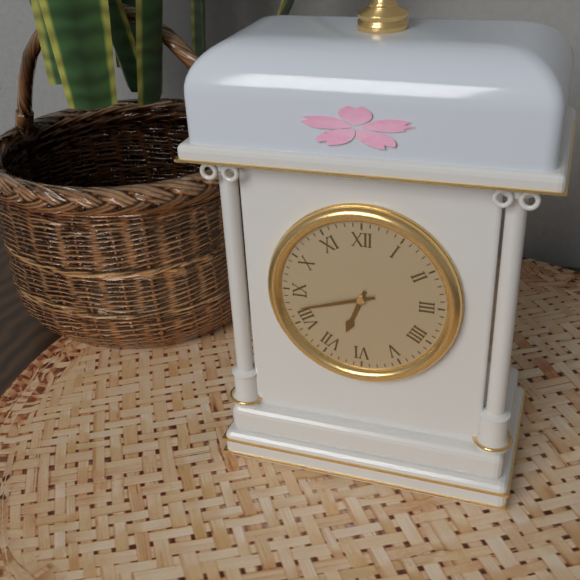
6h42
